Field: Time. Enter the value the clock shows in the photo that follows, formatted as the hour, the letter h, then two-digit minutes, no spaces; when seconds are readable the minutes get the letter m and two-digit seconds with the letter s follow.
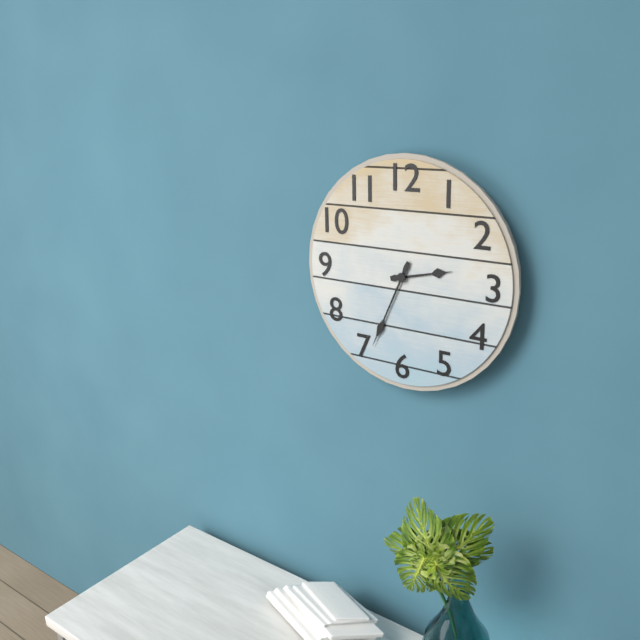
2h34
